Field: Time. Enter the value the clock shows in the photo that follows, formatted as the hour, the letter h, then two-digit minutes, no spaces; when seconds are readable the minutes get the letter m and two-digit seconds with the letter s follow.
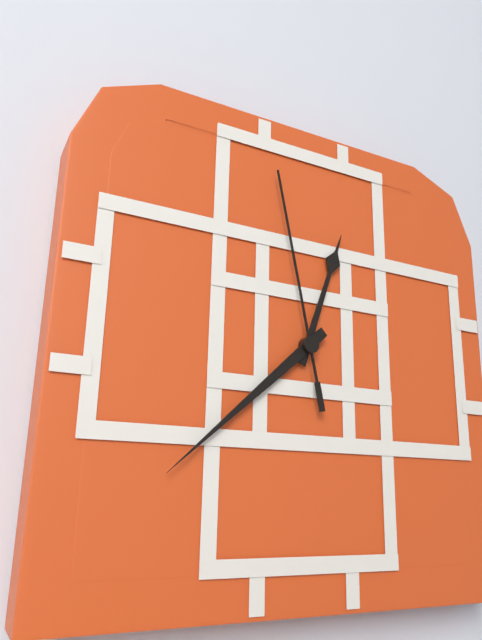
12h38m58s
